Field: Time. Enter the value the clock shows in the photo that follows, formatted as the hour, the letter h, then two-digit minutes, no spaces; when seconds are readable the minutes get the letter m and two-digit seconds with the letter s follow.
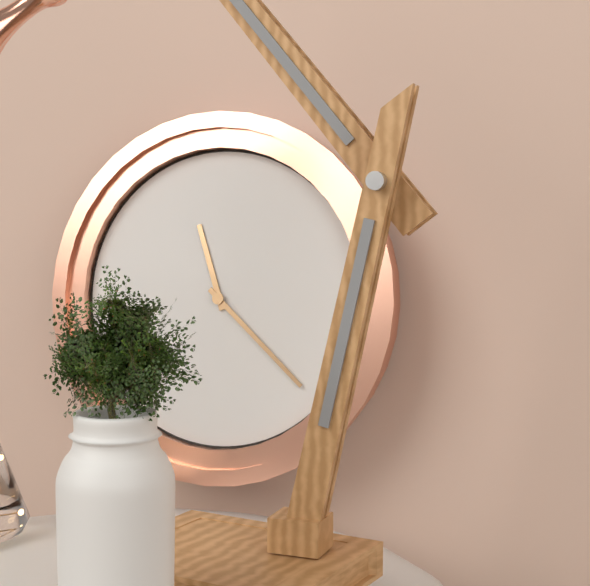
11h22
